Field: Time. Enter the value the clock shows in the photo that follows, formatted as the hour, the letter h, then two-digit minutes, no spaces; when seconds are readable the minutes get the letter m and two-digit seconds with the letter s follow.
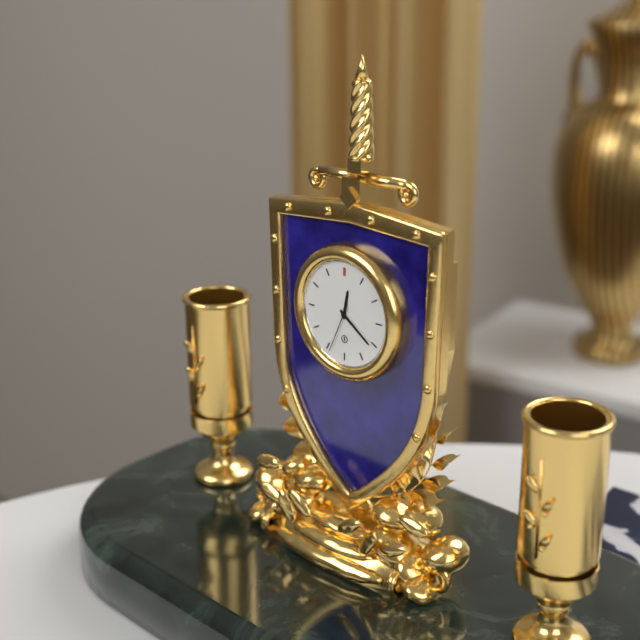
12h21
